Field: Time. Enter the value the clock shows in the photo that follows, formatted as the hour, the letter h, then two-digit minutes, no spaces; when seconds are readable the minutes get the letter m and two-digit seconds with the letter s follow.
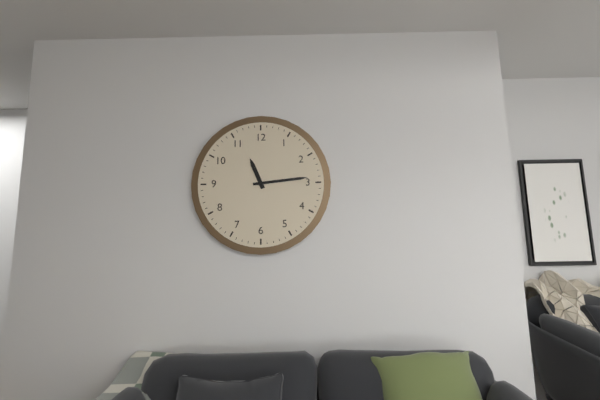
11h14
